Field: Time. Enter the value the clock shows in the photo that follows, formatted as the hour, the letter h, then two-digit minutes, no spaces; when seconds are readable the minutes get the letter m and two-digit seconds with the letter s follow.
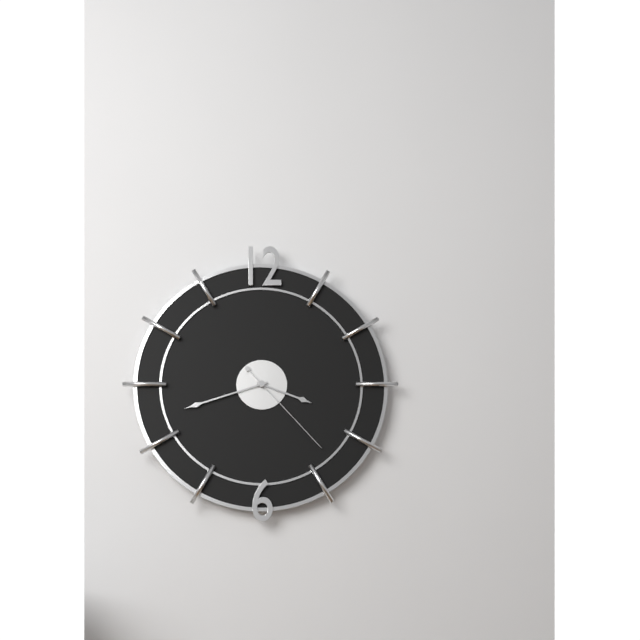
3h42m23s
